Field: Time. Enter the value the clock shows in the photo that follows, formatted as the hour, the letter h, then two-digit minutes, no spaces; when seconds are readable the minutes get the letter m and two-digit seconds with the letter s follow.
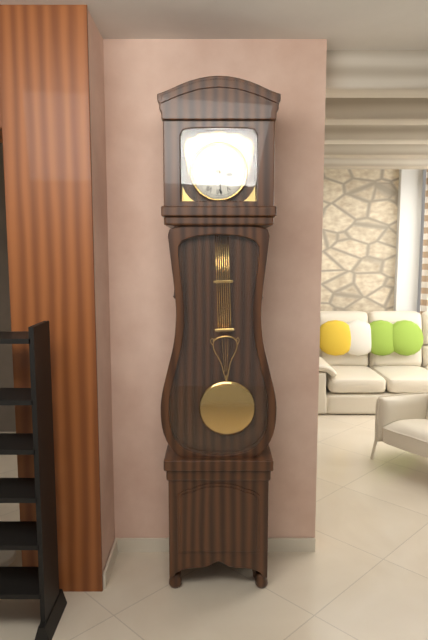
3h29
